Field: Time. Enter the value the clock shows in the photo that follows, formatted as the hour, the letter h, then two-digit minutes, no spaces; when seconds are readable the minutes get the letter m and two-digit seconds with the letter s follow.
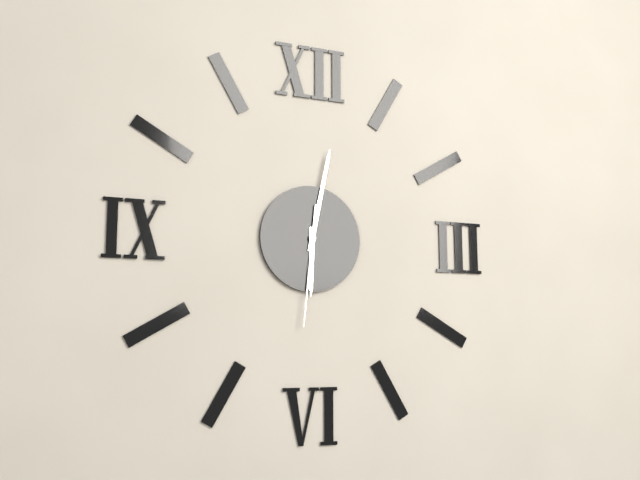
6h02m31s
